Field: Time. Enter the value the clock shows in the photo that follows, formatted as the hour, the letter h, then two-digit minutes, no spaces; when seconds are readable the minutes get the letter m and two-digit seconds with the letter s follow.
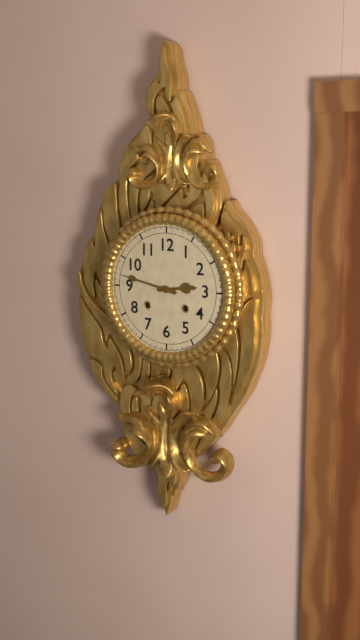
2h47
